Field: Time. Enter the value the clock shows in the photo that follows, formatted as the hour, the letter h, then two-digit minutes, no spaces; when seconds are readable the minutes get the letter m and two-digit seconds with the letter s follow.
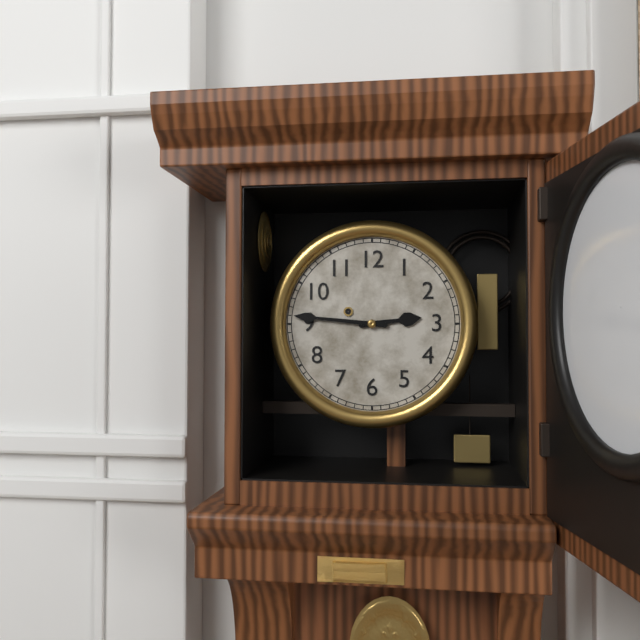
2h46
